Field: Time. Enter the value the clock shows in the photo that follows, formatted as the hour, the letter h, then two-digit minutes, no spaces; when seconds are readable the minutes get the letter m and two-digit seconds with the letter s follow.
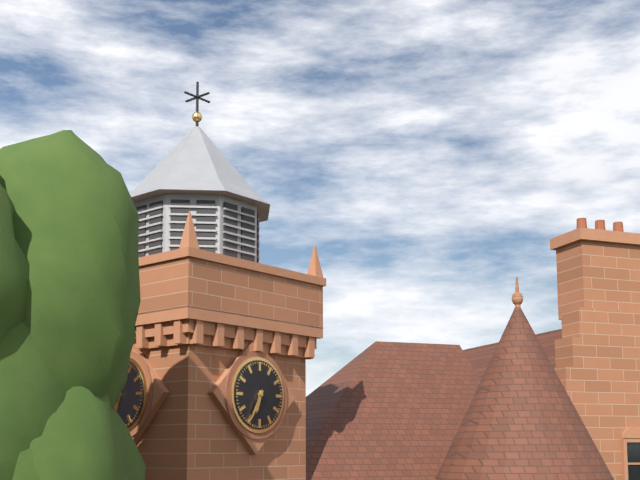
6h35
